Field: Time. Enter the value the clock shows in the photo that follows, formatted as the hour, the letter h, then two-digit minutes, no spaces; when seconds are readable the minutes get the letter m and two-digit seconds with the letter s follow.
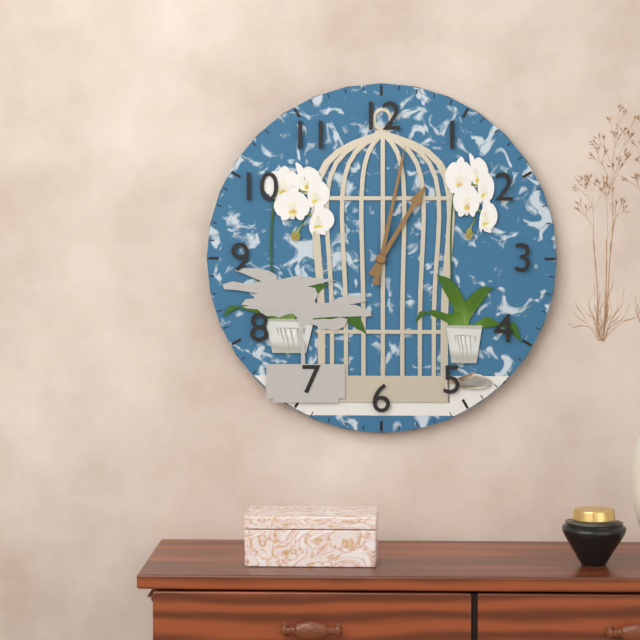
1h02
